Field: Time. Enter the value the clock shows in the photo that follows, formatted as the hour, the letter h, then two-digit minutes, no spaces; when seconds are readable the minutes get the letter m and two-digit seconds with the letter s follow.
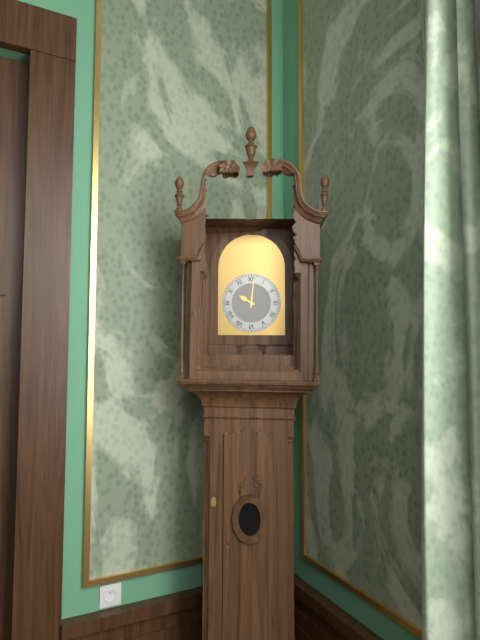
10h01
